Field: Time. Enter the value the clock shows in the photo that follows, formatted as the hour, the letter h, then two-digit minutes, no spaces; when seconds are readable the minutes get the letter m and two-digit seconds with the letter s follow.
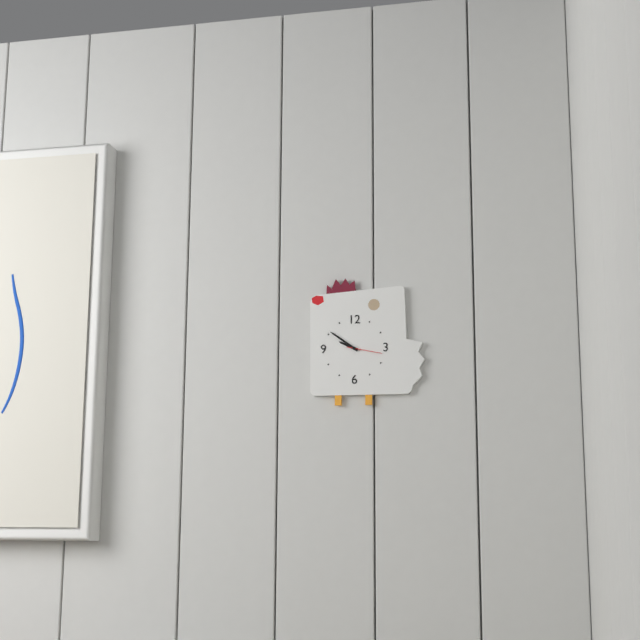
9h51
